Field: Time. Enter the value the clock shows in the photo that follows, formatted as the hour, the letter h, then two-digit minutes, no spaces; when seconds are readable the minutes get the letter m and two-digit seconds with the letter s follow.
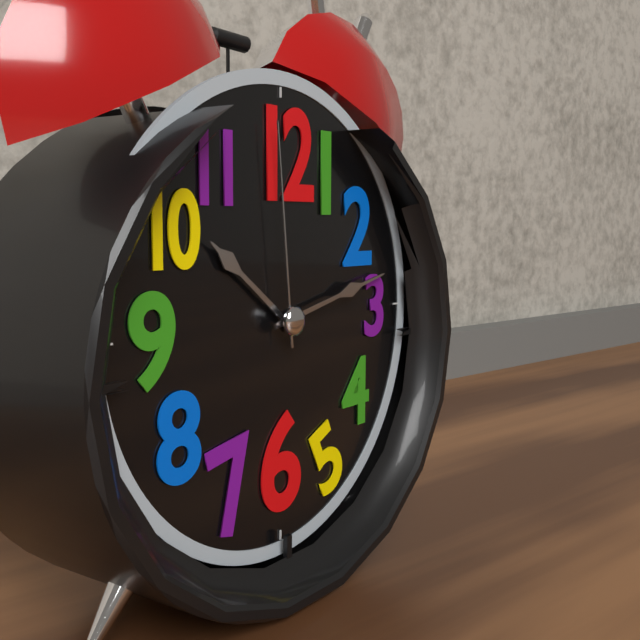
10h13m59s
